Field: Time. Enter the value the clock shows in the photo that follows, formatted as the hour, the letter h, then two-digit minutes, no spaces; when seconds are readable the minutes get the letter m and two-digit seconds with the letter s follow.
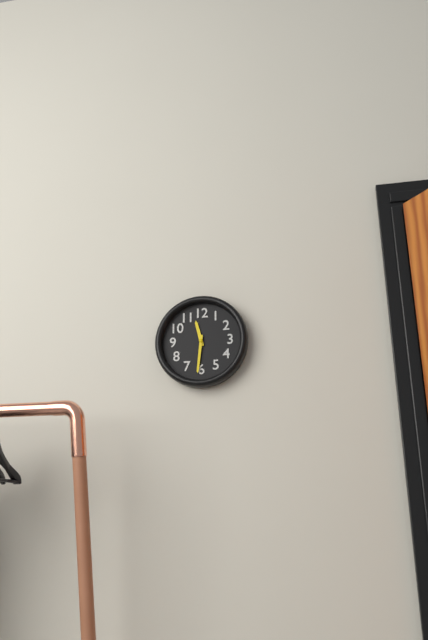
11h31
